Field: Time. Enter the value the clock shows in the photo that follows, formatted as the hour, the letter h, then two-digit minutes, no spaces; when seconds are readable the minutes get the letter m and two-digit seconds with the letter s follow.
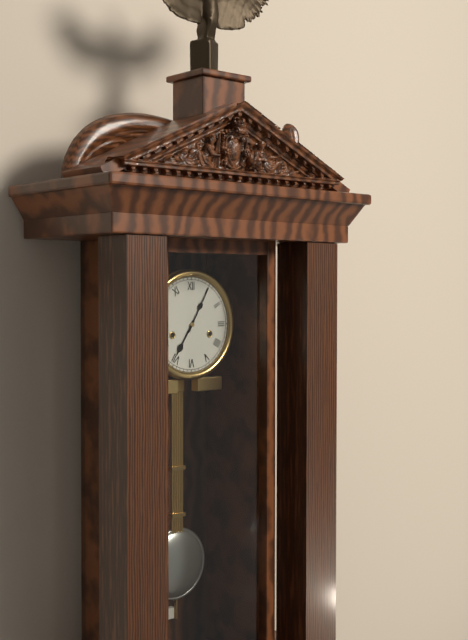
7h05
